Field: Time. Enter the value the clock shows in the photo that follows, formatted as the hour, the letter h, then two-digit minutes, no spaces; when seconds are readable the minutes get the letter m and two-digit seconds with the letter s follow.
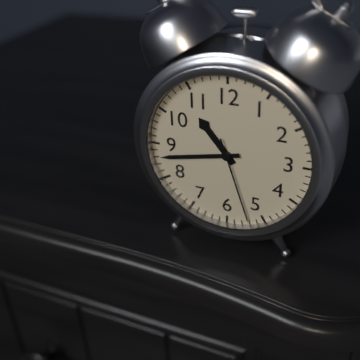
10h43m27s
